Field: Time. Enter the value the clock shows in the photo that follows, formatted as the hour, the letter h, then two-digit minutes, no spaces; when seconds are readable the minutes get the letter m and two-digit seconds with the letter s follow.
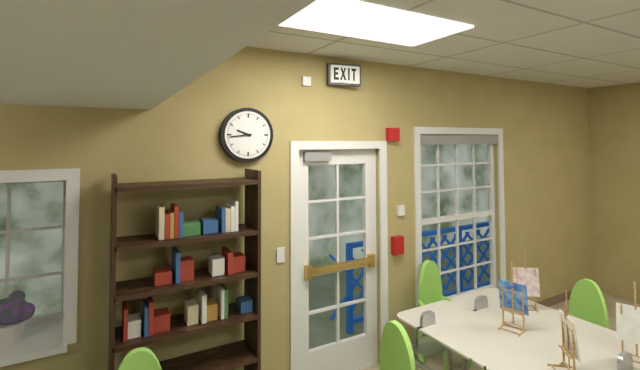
9h44
